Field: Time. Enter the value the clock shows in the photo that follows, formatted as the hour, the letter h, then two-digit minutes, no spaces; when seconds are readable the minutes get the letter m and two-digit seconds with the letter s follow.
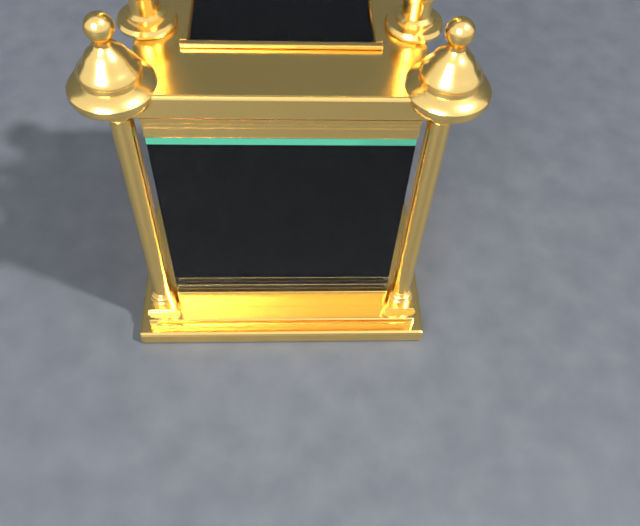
3h07
